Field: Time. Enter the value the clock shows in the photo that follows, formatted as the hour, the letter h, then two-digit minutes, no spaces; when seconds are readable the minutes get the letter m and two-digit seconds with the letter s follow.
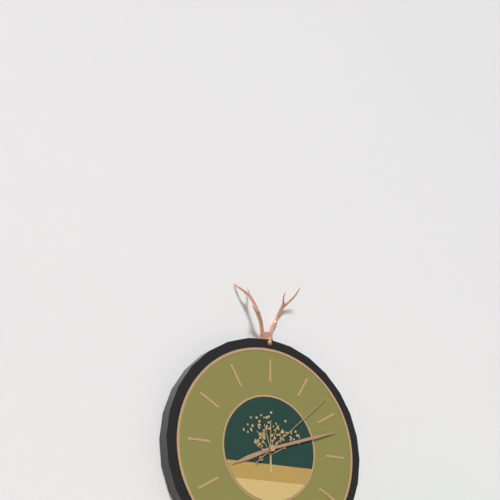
8h12m08s
